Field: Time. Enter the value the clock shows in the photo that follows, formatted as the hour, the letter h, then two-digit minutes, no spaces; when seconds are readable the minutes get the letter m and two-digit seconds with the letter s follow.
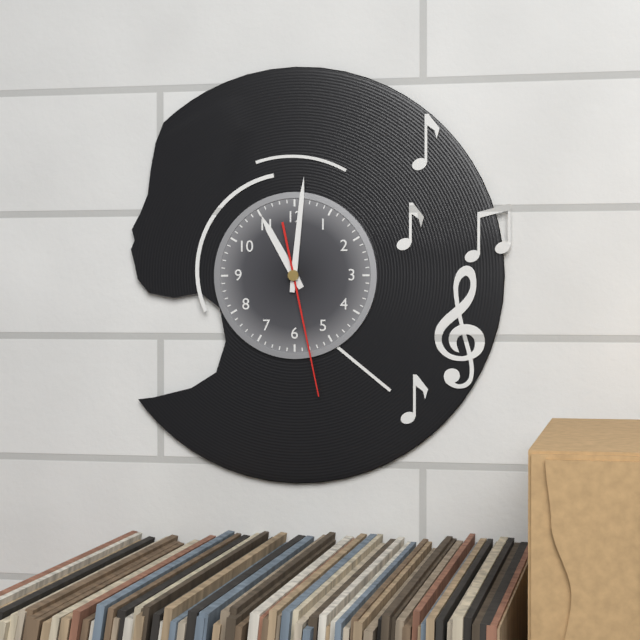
11h01m28s
